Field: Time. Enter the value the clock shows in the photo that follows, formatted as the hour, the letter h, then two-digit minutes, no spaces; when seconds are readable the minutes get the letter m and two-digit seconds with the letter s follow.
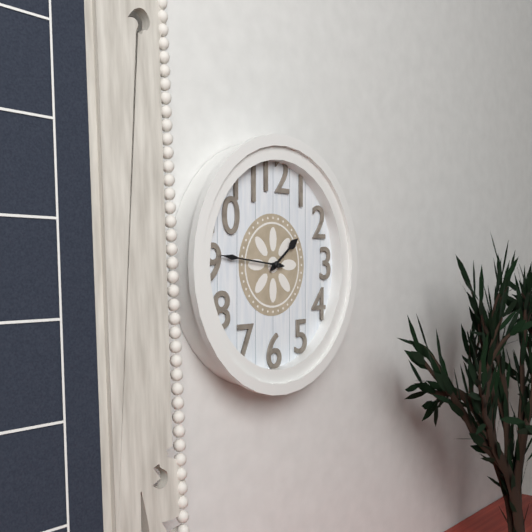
1h46
